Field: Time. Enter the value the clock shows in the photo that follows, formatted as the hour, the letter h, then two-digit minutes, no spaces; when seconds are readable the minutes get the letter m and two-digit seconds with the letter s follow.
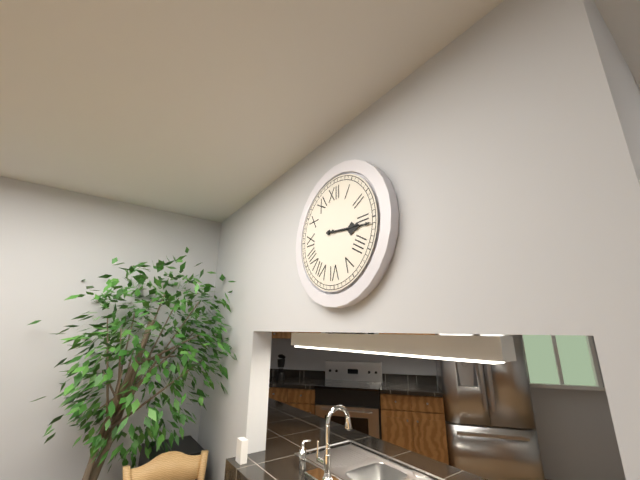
3h16
